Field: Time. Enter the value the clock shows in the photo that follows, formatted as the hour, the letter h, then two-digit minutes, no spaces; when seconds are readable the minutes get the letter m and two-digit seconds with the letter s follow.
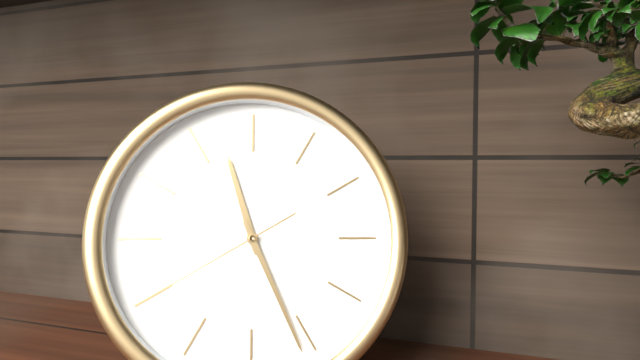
11h26m40s
